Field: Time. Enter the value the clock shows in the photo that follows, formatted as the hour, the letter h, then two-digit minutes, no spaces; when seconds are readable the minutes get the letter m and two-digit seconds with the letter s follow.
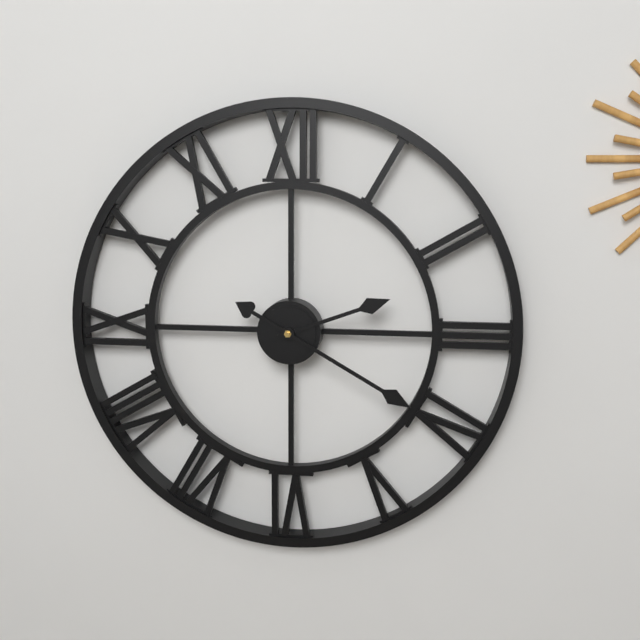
2h20
